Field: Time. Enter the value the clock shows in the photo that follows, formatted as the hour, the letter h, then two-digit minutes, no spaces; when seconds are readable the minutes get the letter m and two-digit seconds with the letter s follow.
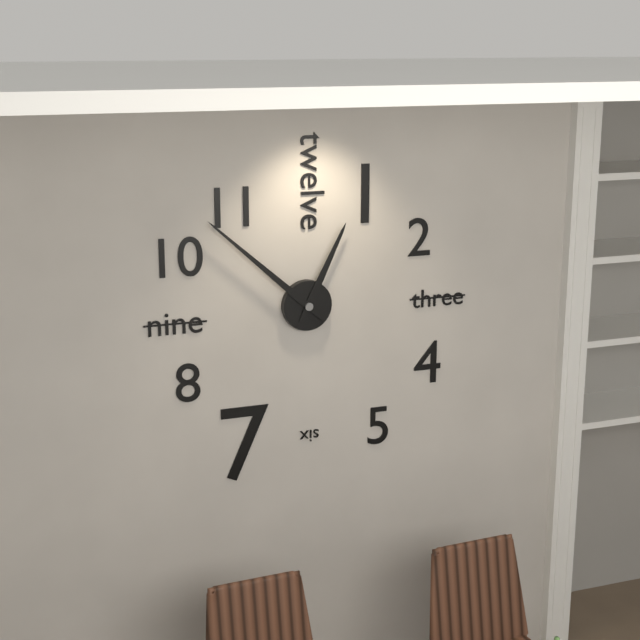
12h52
